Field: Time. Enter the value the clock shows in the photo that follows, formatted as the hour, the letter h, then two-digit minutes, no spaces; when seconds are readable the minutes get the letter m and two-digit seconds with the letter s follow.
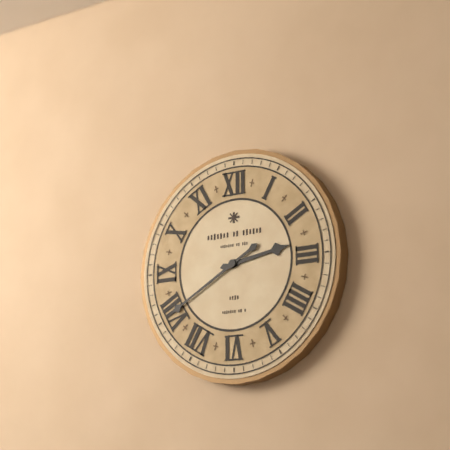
2h40
